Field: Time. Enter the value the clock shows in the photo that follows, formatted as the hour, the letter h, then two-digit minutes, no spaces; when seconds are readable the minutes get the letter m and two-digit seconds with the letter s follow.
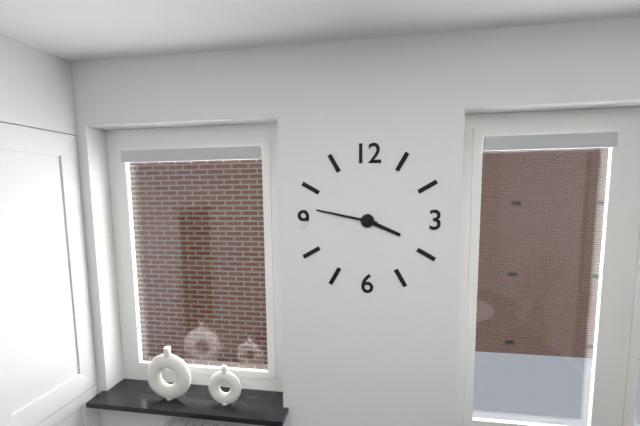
3h47
